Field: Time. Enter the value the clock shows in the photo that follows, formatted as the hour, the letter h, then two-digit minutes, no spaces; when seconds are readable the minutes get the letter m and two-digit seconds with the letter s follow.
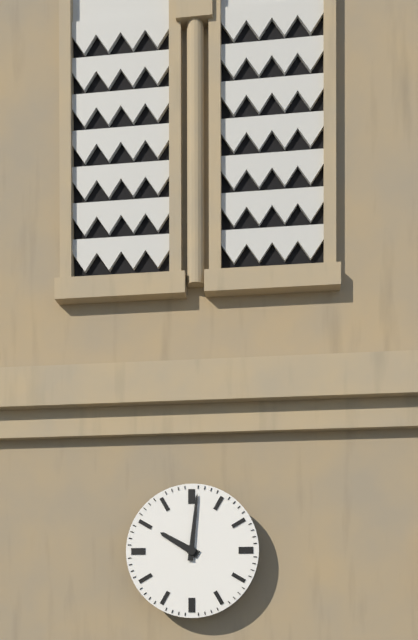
10h01
